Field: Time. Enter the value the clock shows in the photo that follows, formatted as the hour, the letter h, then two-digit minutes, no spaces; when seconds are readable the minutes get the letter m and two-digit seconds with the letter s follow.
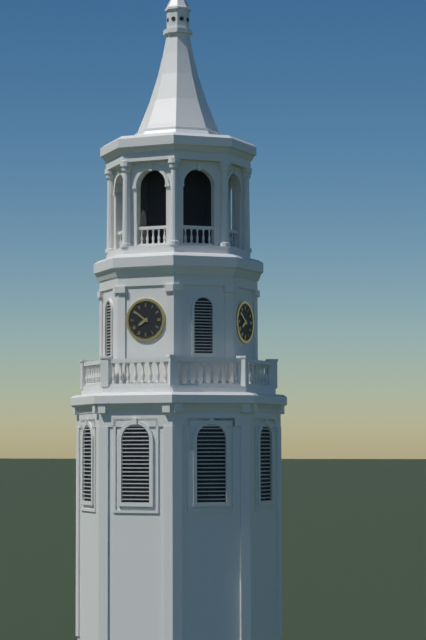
7h51
